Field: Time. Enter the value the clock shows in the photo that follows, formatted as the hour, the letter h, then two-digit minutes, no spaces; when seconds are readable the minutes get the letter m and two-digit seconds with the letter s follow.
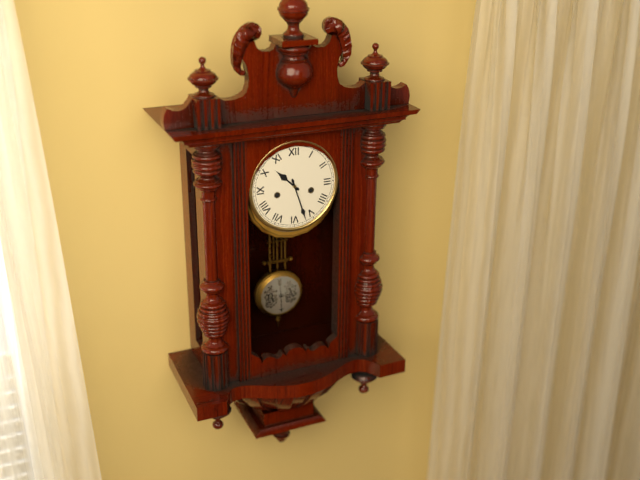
10h27
